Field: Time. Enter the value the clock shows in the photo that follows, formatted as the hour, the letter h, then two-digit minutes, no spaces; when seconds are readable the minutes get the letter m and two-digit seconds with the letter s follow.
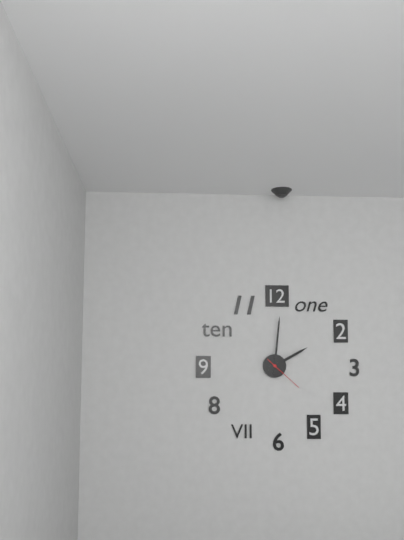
2h01
